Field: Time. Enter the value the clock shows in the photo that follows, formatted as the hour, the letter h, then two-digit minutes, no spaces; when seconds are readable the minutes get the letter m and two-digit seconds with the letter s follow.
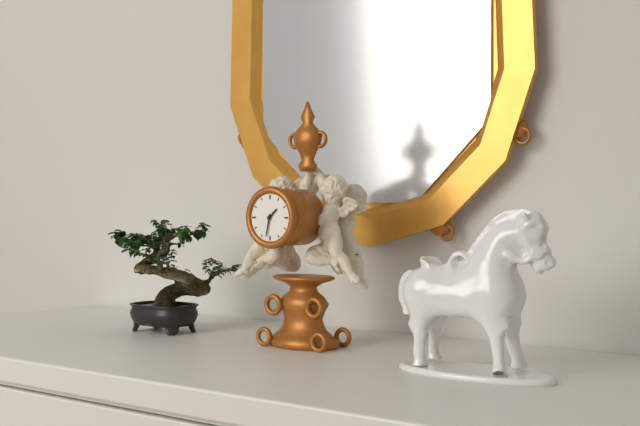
1h32
